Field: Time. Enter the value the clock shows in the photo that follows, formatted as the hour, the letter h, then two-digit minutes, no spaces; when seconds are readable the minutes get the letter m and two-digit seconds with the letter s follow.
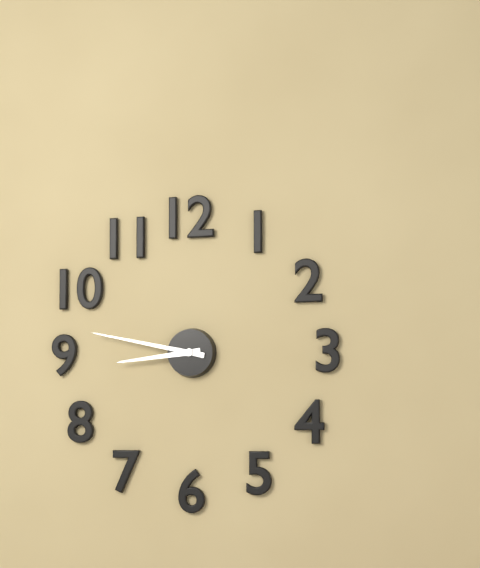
8h47
